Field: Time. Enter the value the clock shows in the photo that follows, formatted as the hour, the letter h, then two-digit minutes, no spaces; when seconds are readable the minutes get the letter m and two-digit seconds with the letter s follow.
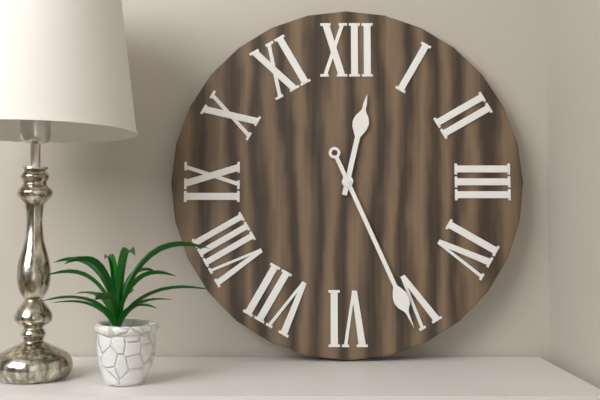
12h26
